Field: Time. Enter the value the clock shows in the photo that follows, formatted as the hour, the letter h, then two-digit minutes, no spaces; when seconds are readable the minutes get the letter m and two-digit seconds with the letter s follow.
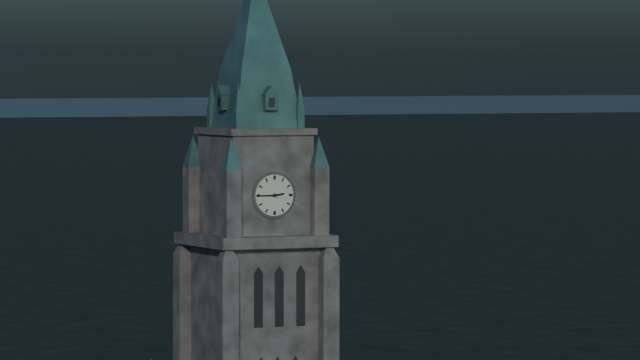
2h45
